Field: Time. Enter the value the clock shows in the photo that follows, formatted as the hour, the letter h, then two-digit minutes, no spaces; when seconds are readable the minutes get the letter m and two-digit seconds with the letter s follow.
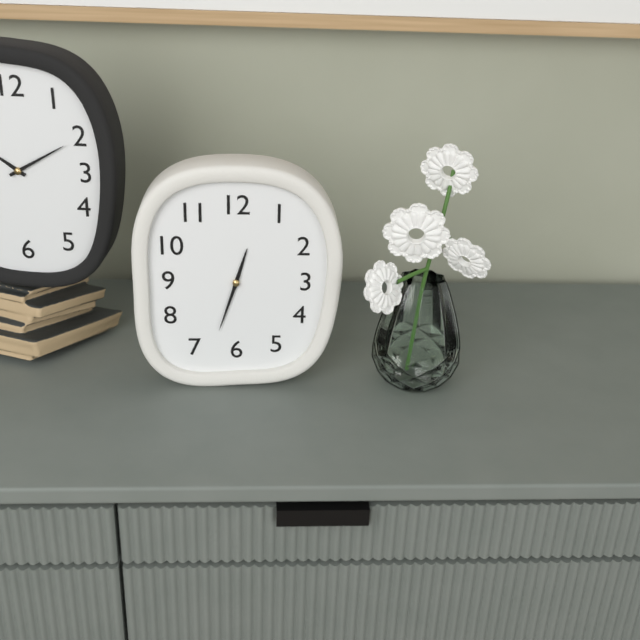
12h33
